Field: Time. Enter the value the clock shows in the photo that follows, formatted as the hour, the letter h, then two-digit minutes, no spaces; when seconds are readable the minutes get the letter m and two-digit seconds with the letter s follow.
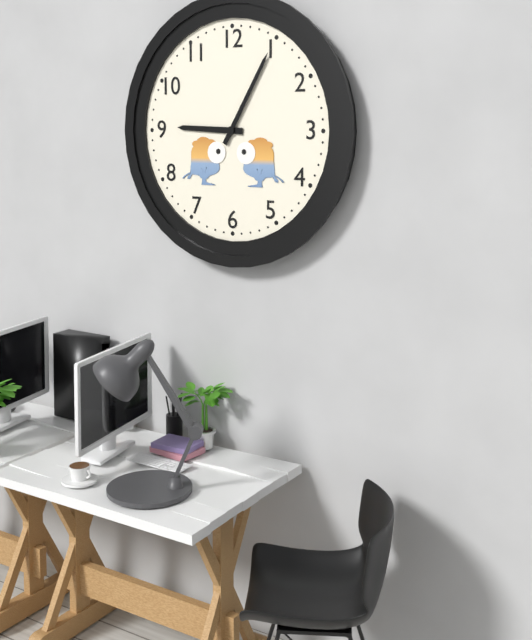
9h05
